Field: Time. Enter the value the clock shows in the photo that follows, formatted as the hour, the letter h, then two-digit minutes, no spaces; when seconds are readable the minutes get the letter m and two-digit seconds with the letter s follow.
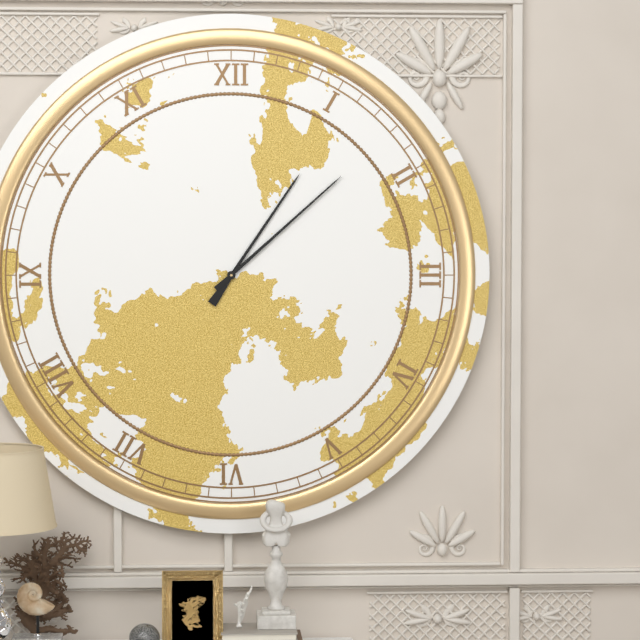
1h08
